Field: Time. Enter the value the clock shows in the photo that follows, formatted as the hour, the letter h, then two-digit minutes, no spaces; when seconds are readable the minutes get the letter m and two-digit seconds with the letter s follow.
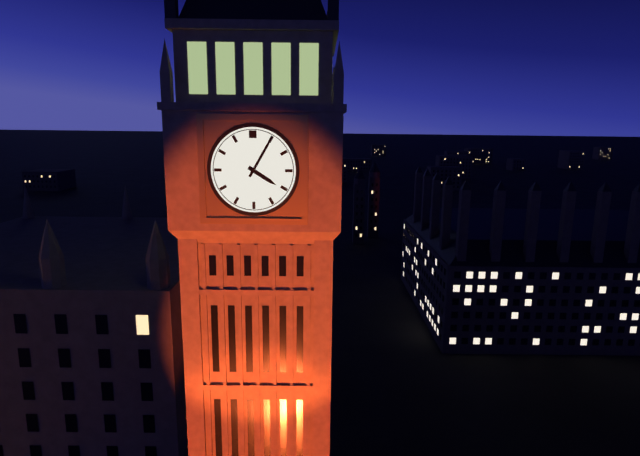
4h05
